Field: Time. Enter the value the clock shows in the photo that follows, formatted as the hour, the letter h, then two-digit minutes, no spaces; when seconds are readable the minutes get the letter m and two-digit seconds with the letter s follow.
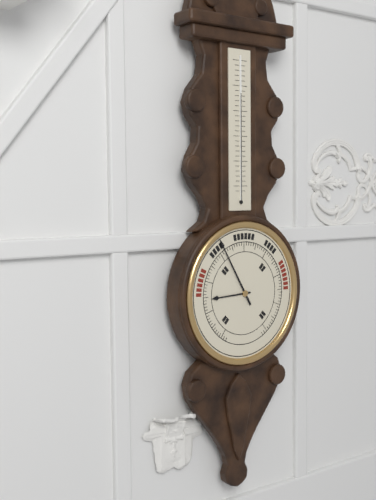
8h55
